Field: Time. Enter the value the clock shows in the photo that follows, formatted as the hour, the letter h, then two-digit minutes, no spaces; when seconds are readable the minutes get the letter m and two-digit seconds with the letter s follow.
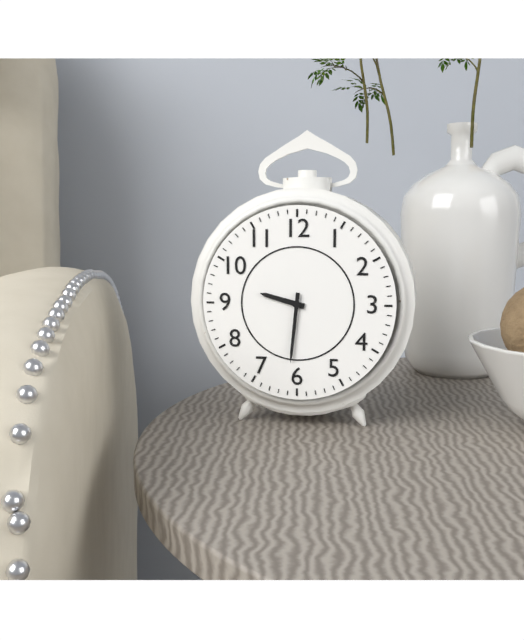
9h31
